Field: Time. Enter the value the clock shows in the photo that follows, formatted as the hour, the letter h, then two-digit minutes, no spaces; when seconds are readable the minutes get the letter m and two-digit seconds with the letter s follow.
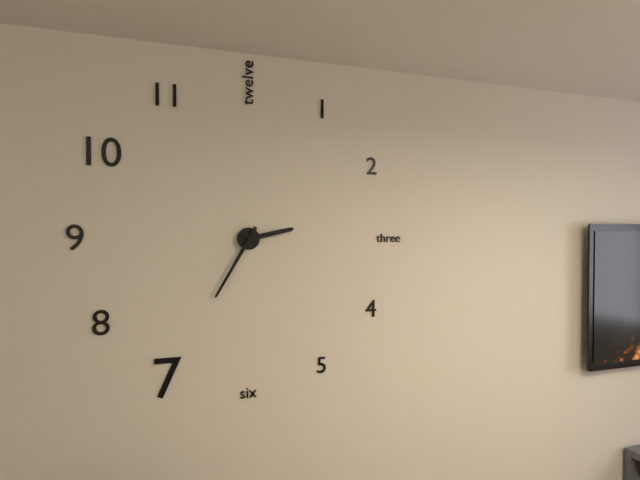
2h35
